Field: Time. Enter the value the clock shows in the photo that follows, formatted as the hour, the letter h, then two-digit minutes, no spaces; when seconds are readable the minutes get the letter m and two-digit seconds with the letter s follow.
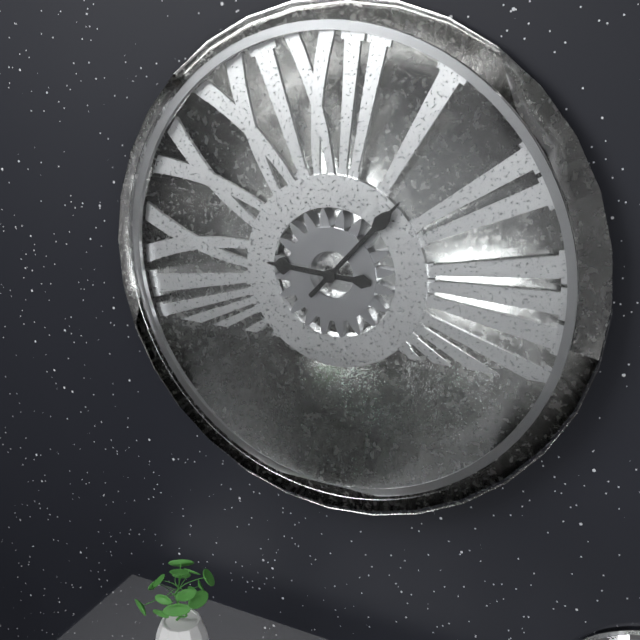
9h07
